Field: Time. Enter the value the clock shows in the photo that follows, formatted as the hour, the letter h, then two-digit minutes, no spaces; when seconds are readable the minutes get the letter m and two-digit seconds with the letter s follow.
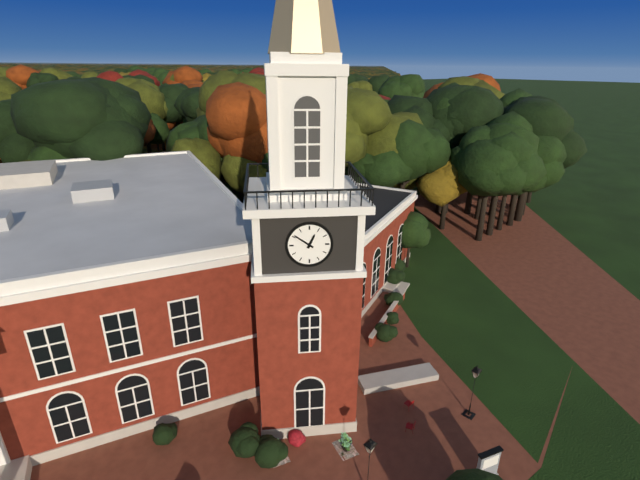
12h51
